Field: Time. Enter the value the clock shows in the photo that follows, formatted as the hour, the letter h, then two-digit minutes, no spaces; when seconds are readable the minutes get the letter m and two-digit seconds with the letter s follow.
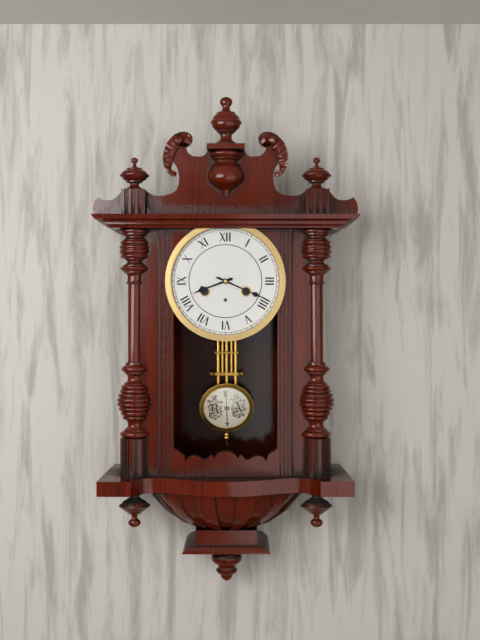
8h19
